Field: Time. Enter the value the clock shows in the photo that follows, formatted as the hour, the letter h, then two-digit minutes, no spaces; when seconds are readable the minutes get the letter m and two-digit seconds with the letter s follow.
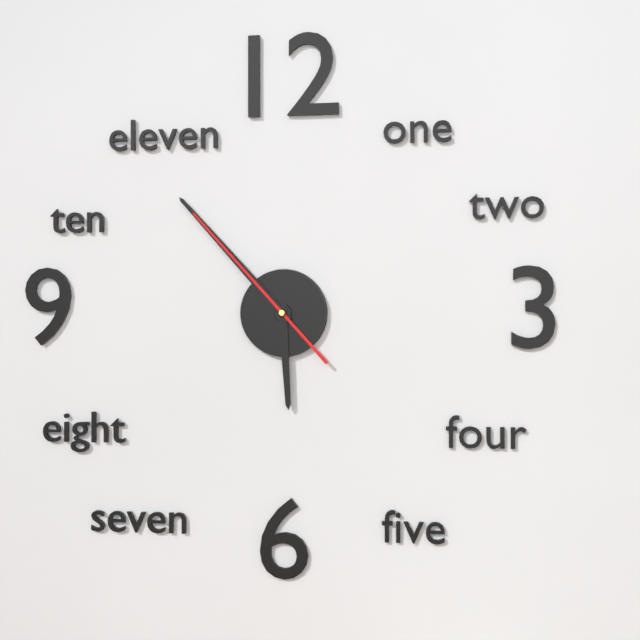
5h53m53s
